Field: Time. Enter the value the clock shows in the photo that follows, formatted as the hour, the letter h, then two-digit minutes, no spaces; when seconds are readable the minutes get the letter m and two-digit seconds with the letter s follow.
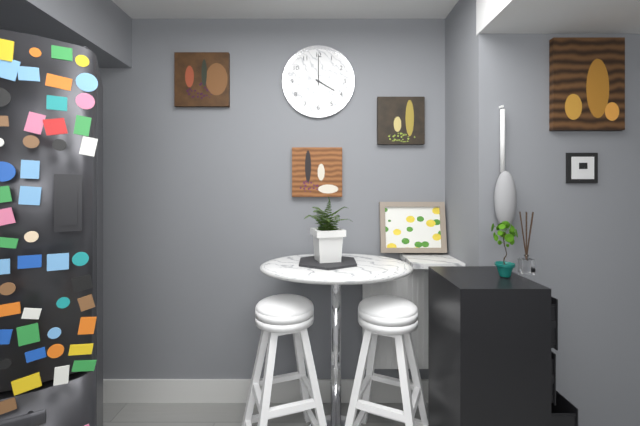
4h00
